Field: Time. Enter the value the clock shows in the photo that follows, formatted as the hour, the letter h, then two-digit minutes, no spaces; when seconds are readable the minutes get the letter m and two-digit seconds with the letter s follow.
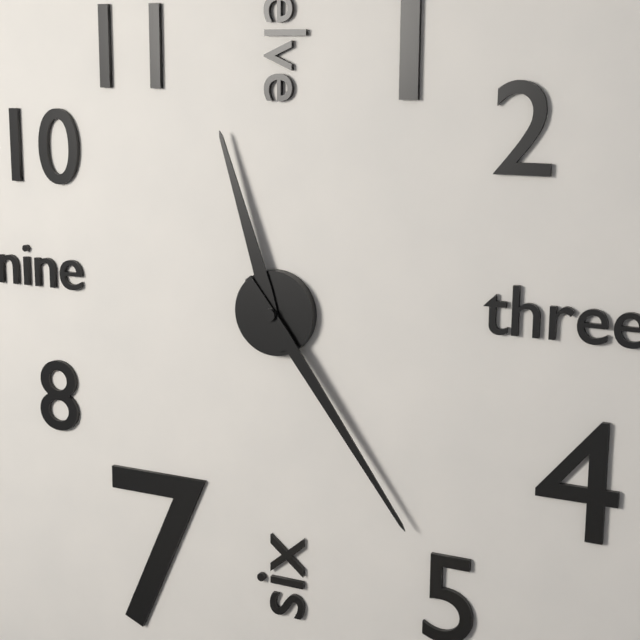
11h24
